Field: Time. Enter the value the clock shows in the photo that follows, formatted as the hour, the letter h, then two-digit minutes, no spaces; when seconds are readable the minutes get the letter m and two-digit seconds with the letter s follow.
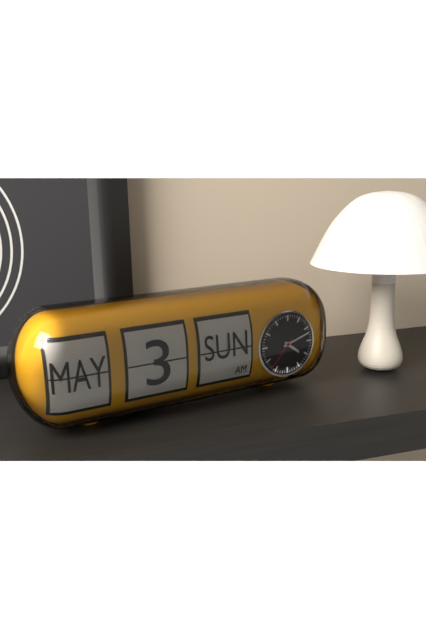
4h12
